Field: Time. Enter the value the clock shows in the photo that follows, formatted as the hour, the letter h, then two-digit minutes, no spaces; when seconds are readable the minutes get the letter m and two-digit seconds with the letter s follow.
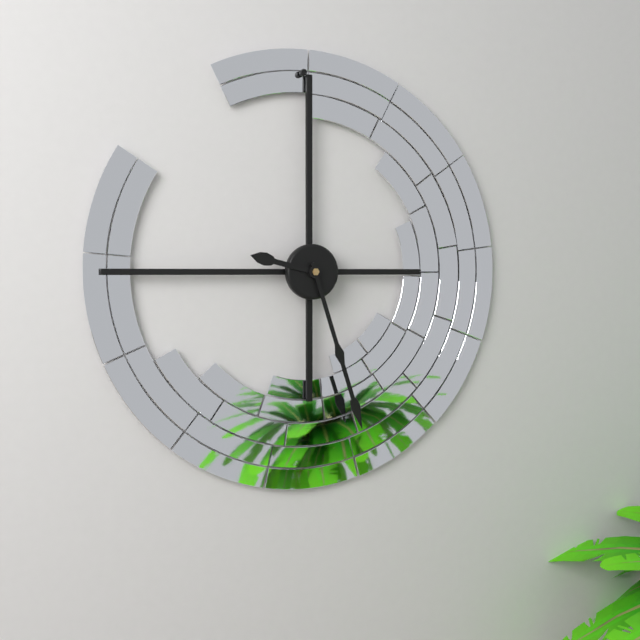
9h27
